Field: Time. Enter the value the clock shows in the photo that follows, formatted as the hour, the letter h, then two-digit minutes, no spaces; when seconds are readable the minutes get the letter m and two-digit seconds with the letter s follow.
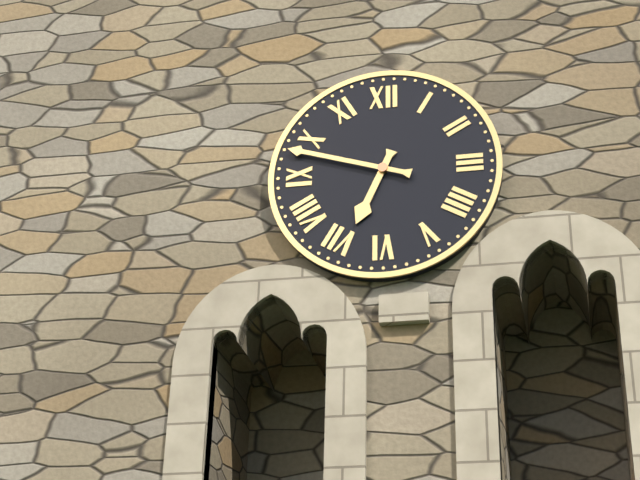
6h48
